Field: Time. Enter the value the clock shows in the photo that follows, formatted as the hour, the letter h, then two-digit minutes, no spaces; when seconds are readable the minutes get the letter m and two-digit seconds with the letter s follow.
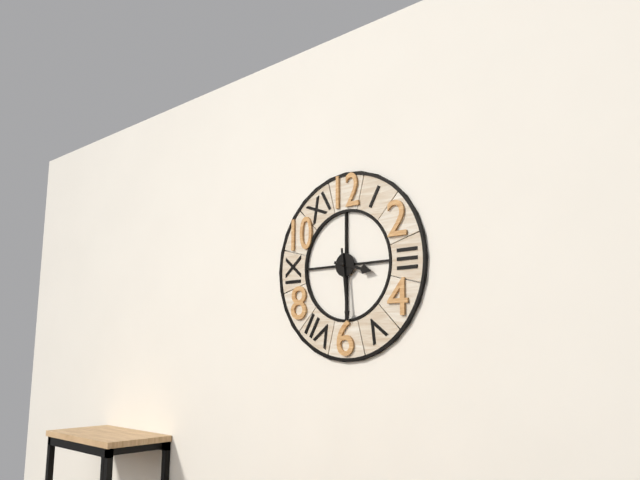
3h29
